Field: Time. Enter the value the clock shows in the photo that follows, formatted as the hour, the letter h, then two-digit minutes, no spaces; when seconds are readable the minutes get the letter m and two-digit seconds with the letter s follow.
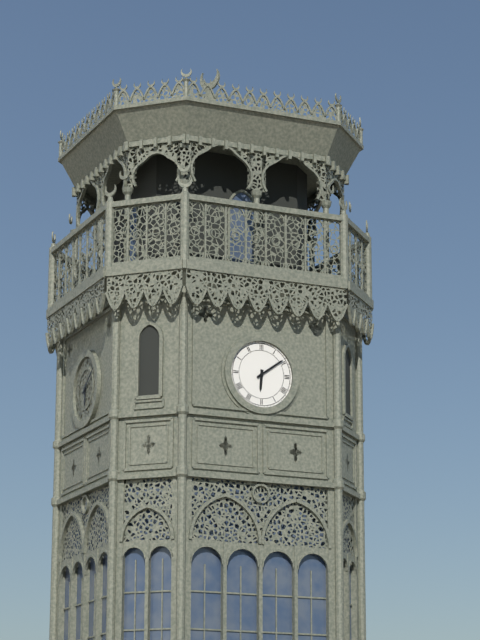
6h09
